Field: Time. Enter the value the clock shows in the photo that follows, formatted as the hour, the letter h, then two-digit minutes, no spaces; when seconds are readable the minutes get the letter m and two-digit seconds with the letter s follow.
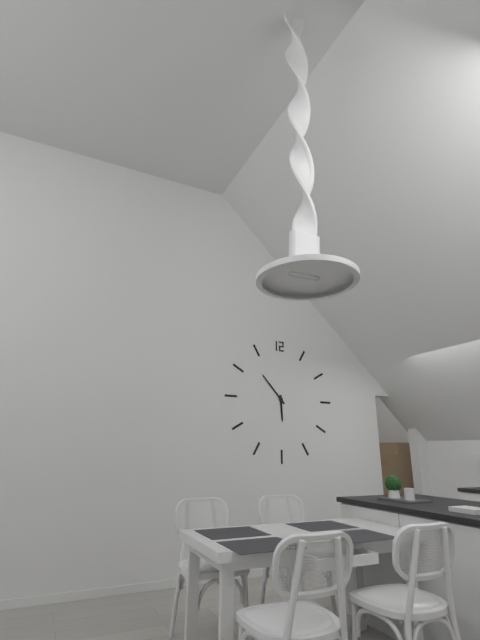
5h53
